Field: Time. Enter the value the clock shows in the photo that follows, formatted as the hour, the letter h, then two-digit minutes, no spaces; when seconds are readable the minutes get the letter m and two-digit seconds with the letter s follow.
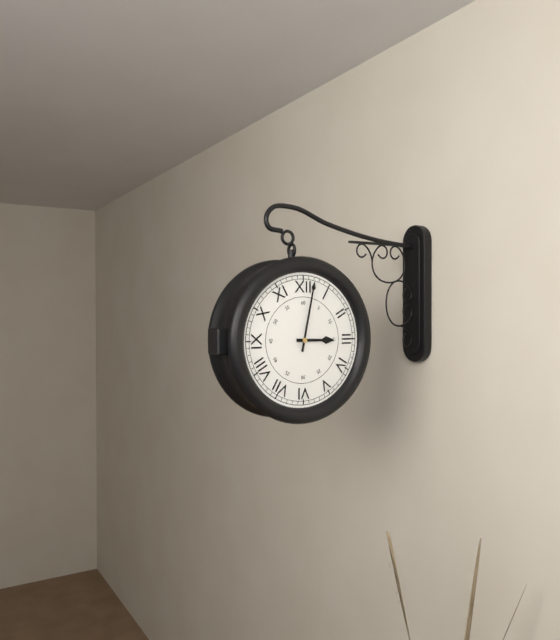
3h02
